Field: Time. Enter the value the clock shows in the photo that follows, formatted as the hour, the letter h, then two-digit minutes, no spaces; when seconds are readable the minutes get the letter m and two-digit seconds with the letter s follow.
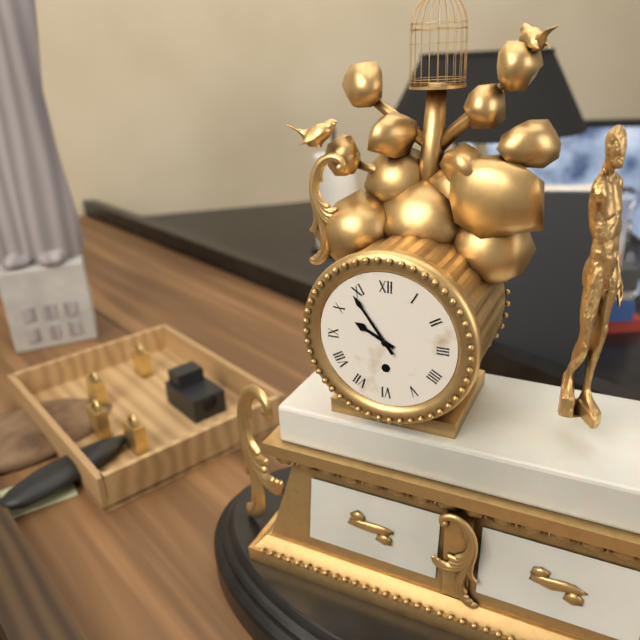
9h54
